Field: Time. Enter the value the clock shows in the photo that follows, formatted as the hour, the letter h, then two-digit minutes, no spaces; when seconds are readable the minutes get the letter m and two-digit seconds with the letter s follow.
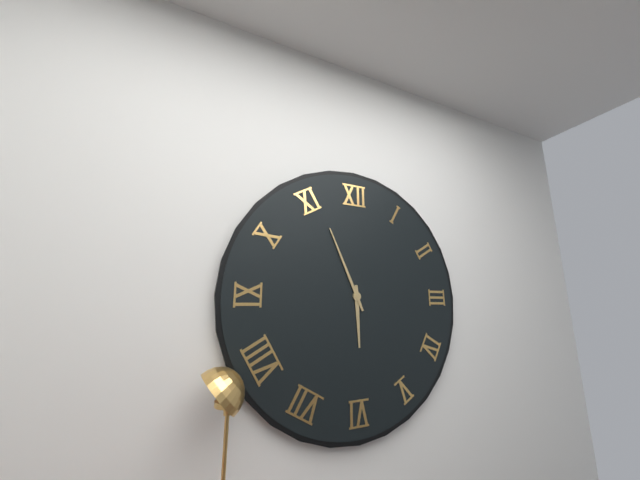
5h56
